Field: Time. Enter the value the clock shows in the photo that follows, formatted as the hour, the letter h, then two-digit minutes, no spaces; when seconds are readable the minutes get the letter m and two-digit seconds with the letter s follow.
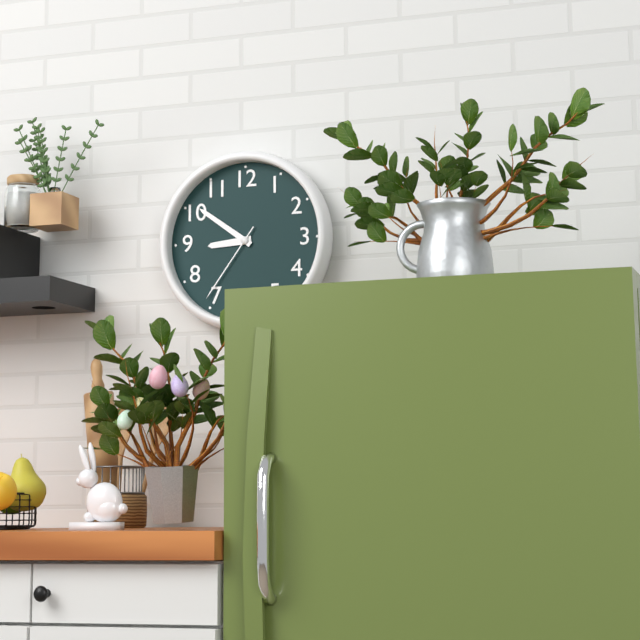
8h51m36s
